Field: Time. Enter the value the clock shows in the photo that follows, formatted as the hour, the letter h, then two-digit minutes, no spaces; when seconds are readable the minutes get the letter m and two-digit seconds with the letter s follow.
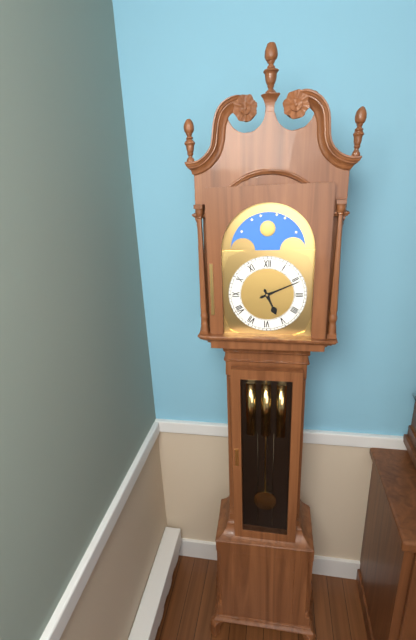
5h11
